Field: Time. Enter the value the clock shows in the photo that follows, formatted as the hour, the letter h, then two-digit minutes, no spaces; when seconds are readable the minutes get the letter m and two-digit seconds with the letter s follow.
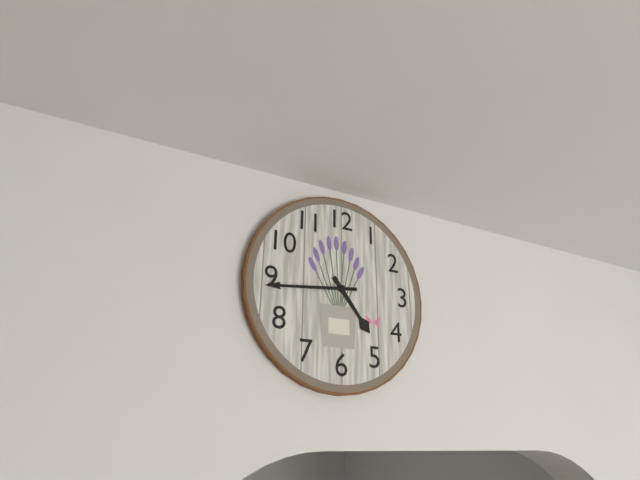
4h44
